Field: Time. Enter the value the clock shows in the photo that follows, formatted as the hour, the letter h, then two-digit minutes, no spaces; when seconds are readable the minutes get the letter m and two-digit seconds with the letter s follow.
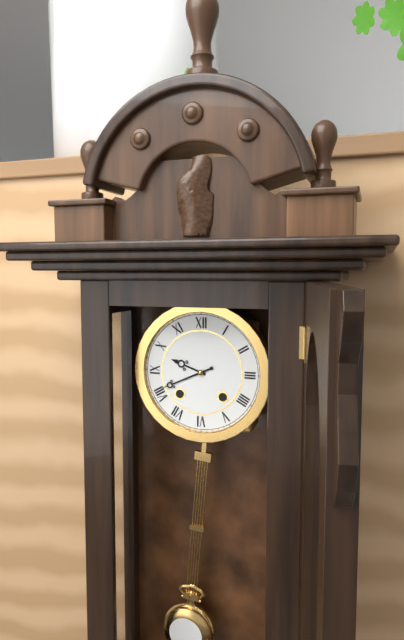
9h41
